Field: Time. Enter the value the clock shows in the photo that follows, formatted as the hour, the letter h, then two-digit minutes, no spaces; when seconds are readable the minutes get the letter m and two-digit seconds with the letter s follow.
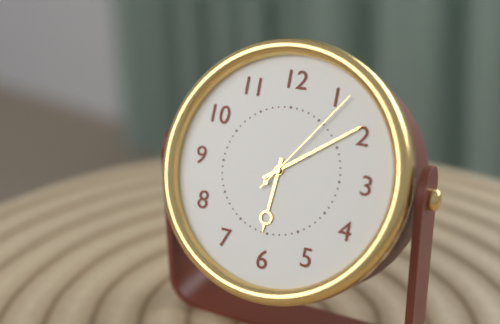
6h09m06s
